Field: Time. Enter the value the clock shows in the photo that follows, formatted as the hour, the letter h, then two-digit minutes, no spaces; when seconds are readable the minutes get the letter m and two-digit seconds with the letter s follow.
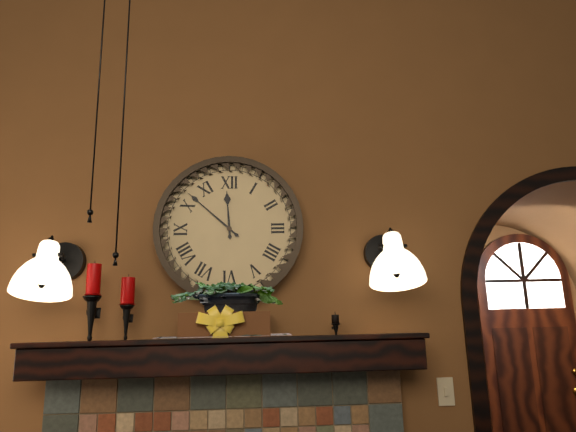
11h52
